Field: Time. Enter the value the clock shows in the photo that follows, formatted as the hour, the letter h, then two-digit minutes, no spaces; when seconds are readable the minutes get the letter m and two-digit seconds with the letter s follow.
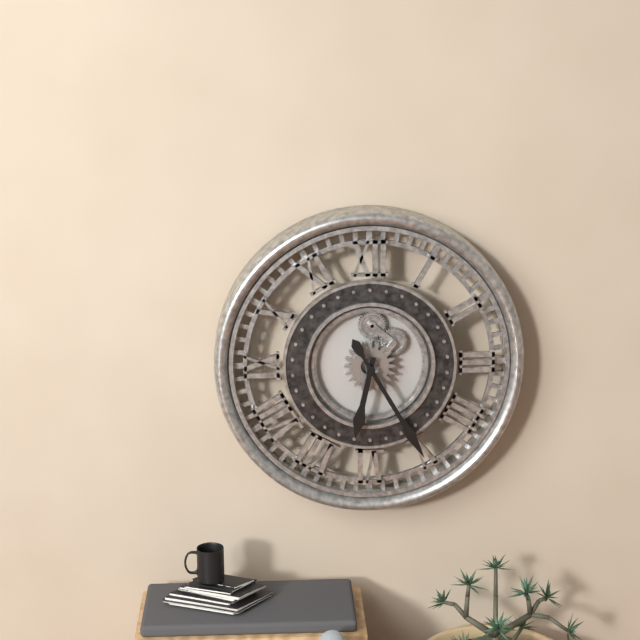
6h25
